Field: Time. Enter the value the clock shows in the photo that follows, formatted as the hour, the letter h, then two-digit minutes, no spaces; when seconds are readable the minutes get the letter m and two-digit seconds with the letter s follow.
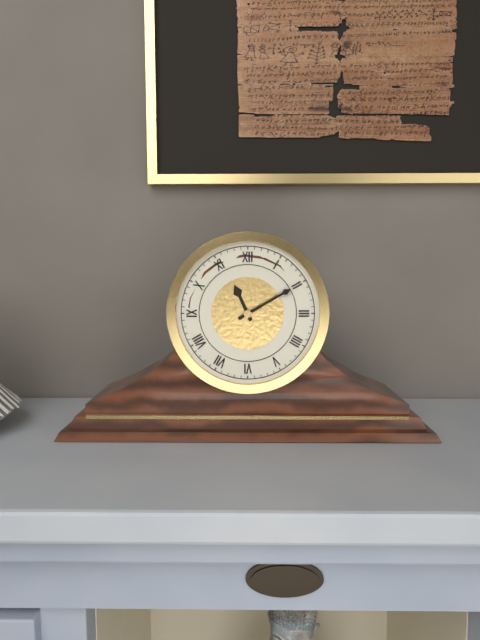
11h10
